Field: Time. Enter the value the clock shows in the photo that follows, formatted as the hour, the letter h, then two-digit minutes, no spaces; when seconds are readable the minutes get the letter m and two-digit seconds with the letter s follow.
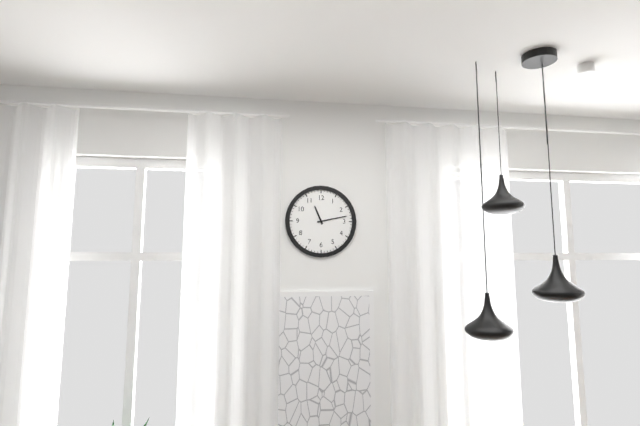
11h13
